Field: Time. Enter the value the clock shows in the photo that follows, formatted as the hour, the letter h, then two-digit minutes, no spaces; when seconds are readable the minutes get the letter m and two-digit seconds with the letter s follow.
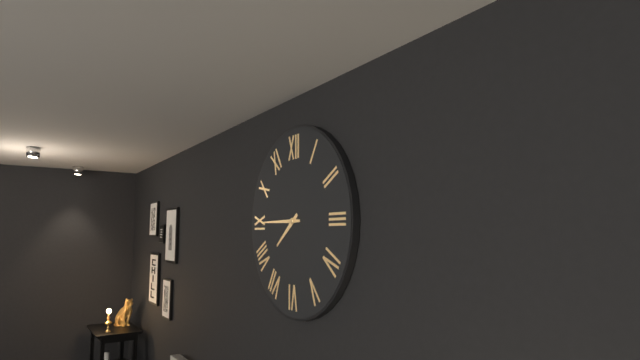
7h45
